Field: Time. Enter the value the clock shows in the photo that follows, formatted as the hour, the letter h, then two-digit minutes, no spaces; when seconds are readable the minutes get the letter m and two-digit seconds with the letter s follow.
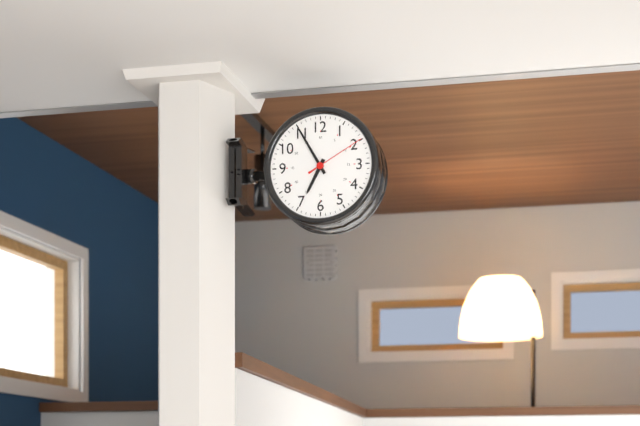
6h55m10s
